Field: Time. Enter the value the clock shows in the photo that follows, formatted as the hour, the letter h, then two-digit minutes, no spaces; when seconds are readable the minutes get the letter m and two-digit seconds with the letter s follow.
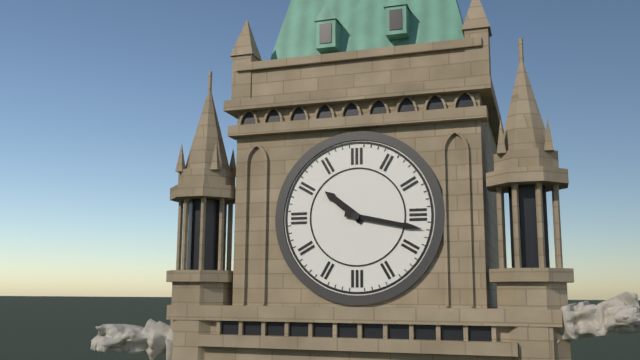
10h17
